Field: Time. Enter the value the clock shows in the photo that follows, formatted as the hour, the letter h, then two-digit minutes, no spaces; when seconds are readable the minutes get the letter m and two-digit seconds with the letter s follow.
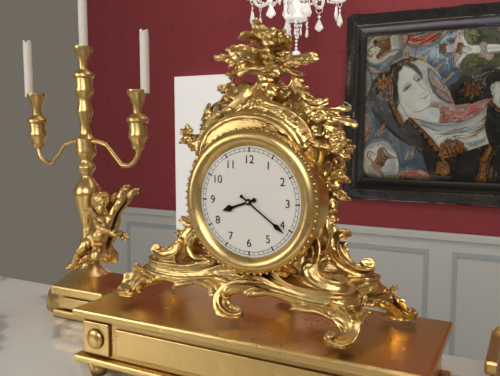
8h21
